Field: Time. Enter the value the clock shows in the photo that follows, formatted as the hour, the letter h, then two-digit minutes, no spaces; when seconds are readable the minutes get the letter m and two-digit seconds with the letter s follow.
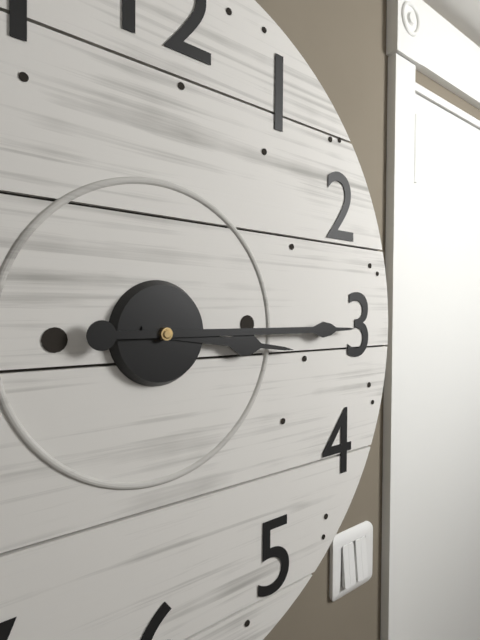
3h15
